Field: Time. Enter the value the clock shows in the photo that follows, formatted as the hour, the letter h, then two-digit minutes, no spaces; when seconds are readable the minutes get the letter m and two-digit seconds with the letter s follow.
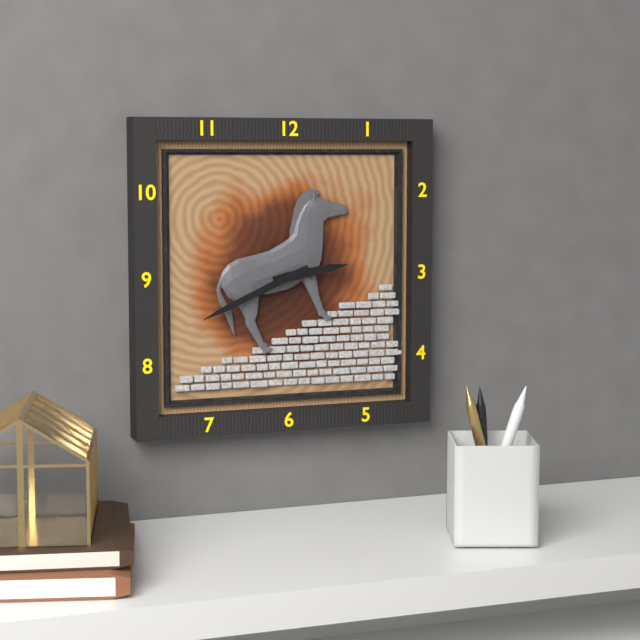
2h41
